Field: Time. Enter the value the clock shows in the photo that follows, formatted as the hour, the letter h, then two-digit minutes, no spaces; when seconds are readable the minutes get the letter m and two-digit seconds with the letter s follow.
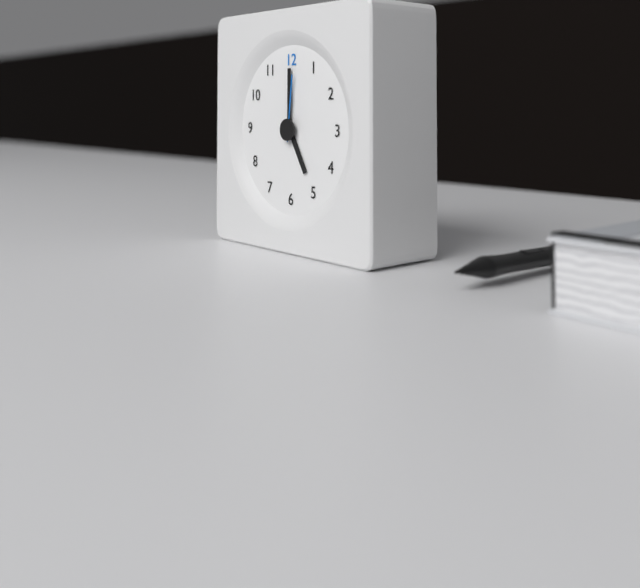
5h00m01s
